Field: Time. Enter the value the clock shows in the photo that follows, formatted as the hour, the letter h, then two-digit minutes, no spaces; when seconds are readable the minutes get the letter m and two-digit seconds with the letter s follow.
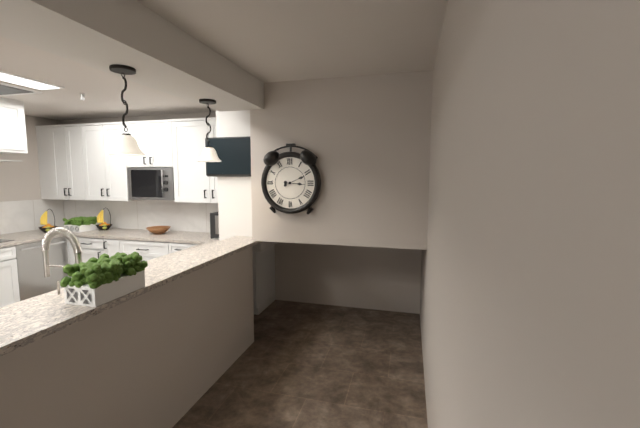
3h11
